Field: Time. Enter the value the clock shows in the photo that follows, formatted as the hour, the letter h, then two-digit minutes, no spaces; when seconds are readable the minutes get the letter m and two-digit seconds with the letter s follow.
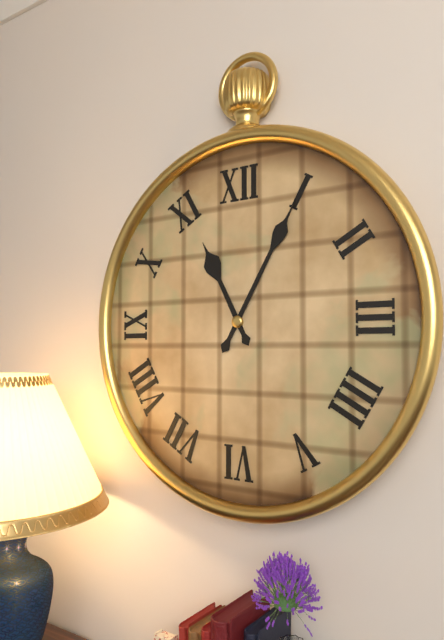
11h05
